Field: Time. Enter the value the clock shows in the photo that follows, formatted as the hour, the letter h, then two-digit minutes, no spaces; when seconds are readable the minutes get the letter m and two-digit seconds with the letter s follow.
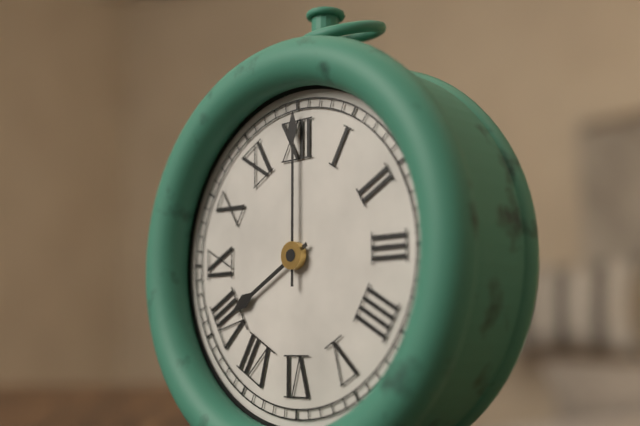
8h00
